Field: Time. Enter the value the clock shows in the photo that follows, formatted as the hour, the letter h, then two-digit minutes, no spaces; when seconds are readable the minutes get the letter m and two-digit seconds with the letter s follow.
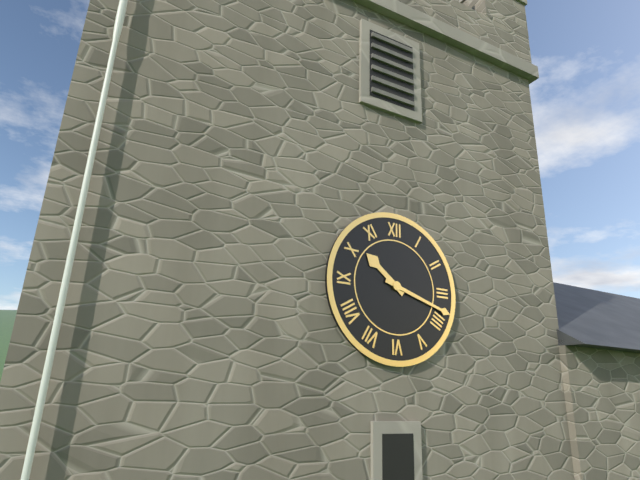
10h18
